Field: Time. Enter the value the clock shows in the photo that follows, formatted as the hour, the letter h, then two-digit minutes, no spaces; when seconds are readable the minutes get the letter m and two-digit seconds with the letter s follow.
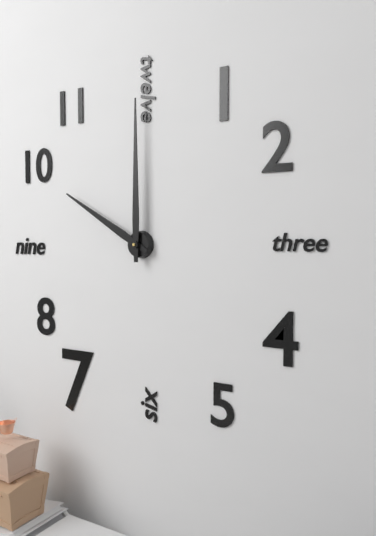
10h00
